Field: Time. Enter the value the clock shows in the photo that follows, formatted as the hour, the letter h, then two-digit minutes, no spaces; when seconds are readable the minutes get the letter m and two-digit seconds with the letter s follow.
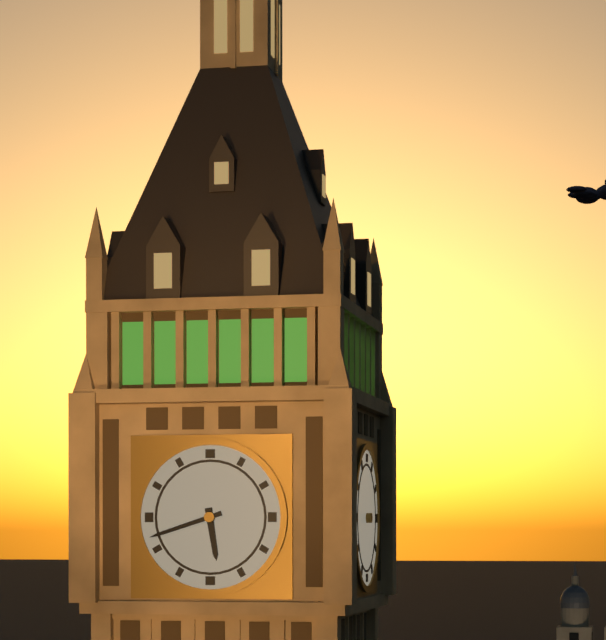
5h42
